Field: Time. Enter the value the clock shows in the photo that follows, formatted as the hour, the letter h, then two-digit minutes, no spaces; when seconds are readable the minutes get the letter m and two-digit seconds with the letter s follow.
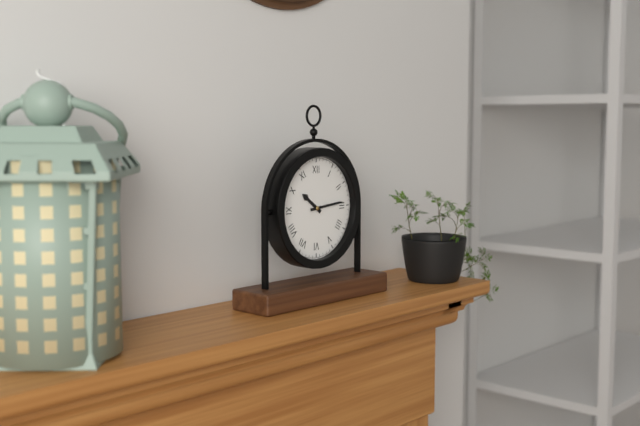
10h14
